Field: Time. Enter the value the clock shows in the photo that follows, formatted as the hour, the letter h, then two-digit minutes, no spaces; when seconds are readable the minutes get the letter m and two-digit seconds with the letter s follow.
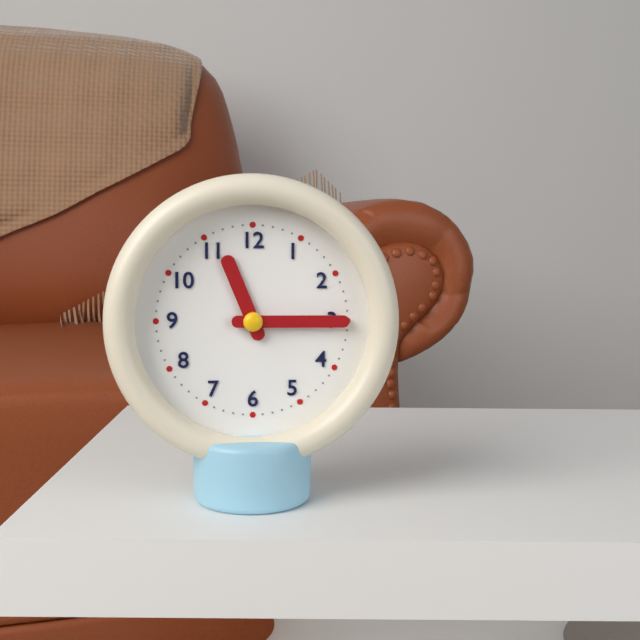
11h15
